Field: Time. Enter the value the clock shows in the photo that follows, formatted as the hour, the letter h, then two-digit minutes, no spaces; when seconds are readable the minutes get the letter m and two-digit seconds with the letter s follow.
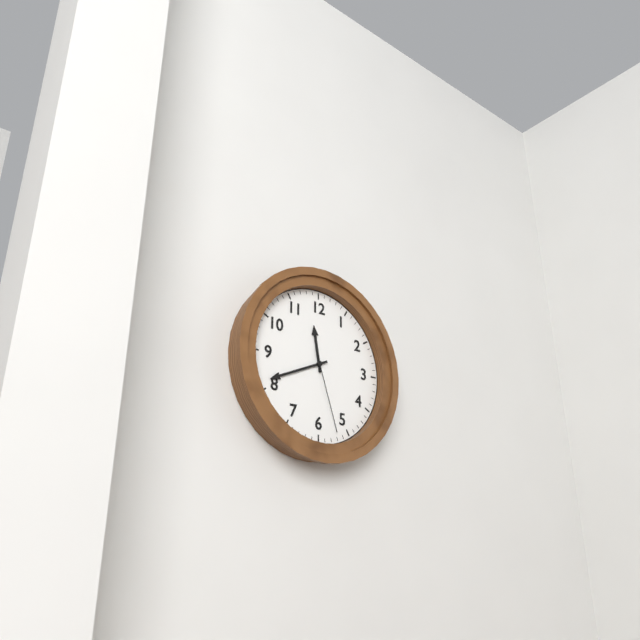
11h41m27s
